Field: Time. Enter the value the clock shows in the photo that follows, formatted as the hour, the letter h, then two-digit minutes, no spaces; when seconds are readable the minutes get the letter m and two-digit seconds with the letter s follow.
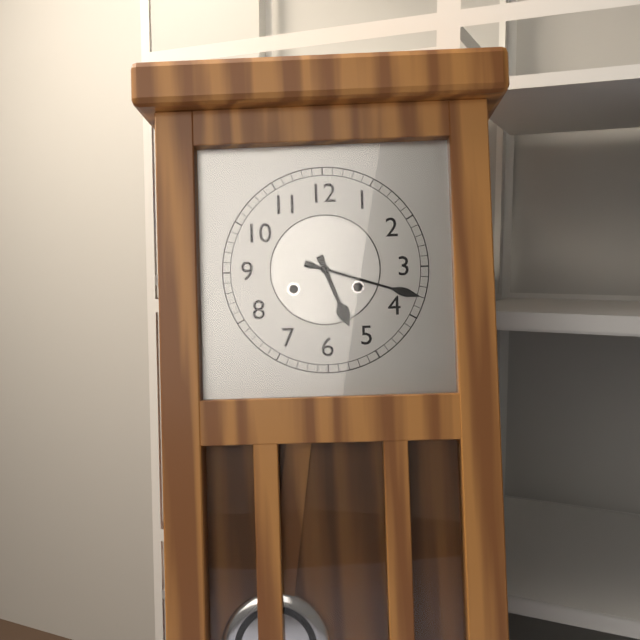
5h18
